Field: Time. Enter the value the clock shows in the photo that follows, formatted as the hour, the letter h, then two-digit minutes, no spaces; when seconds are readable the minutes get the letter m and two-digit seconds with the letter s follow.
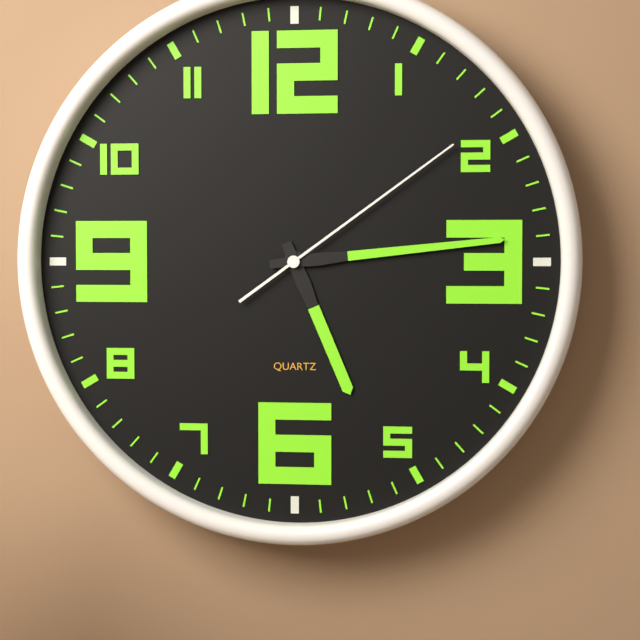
5h14m09s
